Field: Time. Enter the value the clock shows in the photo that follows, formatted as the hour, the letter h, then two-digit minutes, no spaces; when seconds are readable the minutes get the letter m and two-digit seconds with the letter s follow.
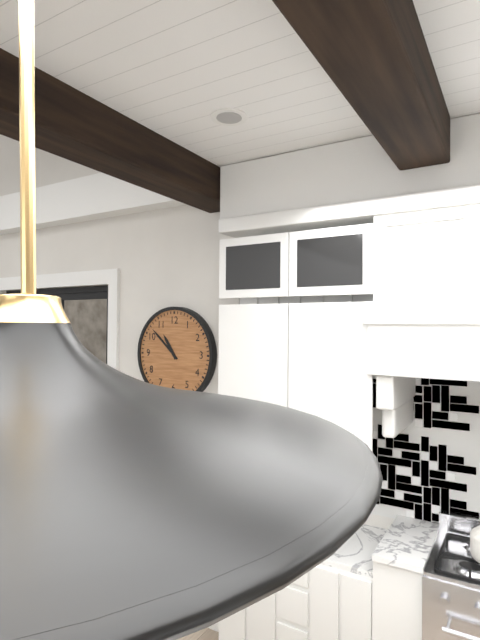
10h52
